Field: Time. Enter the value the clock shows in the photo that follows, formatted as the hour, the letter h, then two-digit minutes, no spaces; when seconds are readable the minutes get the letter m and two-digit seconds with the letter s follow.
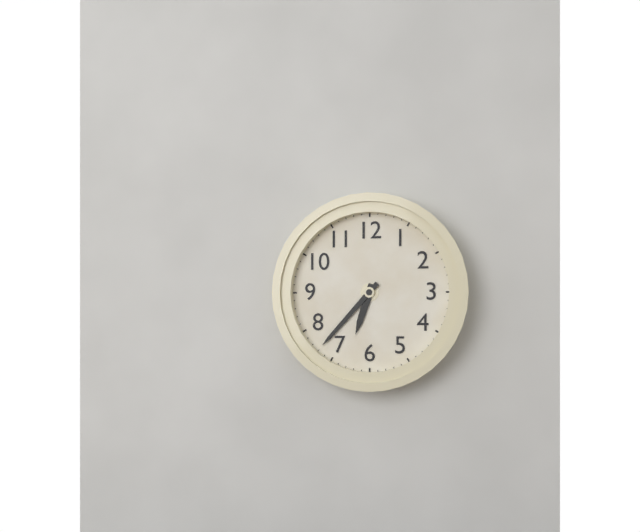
6h37
